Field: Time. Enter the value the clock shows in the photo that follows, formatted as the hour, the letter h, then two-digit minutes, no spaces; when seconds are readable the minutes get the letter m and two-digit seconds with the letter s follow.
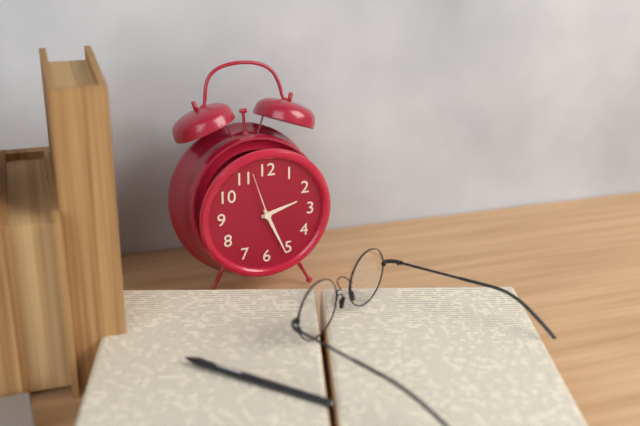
2h26m57s
